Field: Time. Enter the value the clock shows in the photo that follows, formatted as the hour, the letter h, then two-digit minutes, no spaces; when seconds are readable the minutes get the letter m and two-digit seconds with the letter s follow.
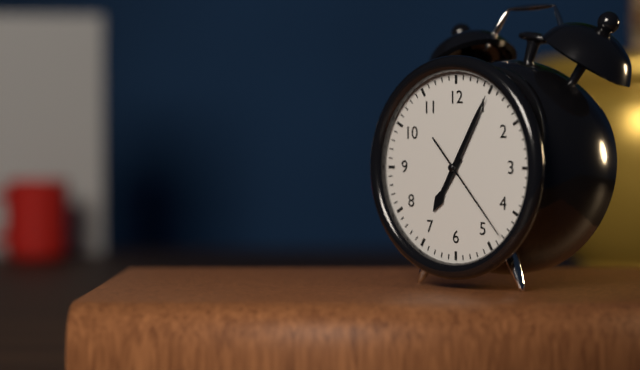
7h05m23s
